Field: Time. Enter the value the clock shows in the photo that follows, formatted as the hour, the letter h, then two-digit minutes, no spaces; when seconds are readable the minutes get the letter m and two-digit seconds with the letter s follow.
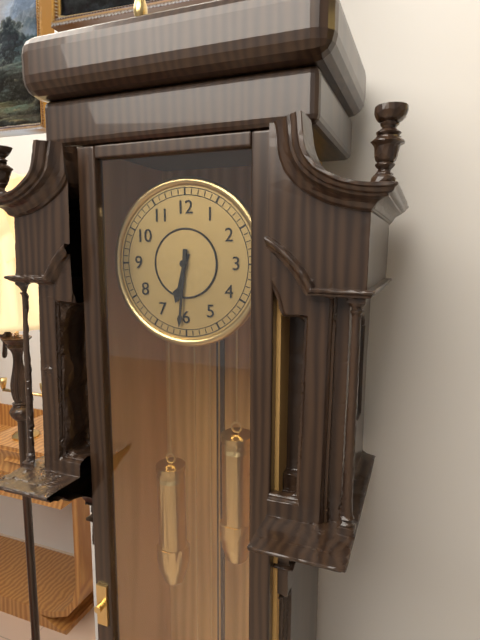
6h31
